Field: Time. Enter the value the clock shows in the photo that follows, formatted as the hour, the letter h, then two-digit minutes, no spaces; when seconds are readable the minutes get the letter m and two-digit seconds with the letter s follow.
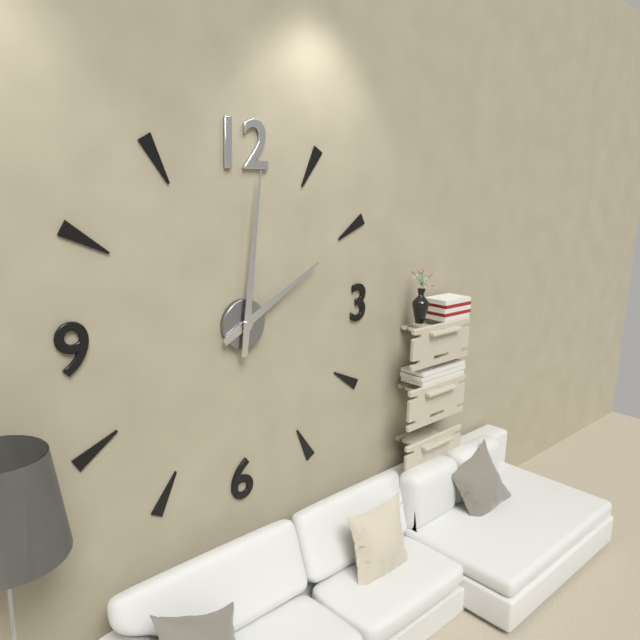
2h01
